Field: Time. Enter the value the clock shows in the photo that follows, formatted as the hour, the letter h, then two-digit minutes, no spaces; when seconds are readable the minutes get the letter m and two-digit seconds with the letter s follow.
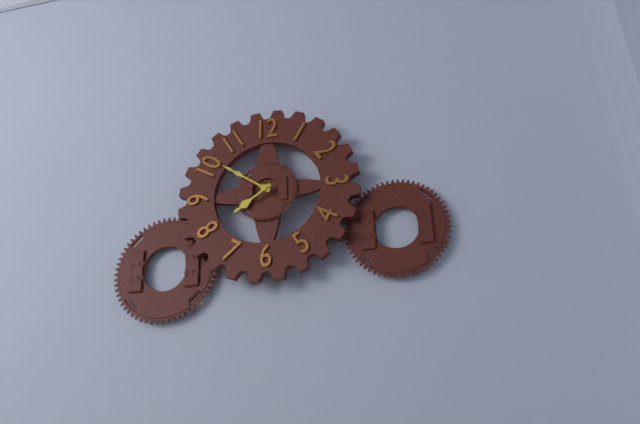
7h51
